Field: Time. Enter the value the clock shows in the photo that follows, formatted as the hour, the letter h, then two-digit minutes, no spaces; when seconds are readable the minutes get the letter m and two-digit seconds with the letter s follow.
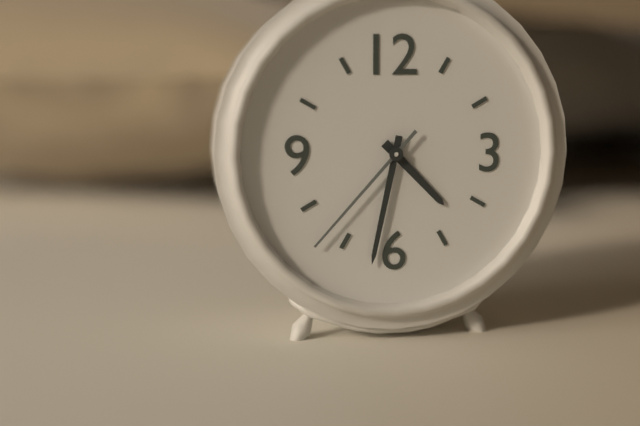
4h32m37s
